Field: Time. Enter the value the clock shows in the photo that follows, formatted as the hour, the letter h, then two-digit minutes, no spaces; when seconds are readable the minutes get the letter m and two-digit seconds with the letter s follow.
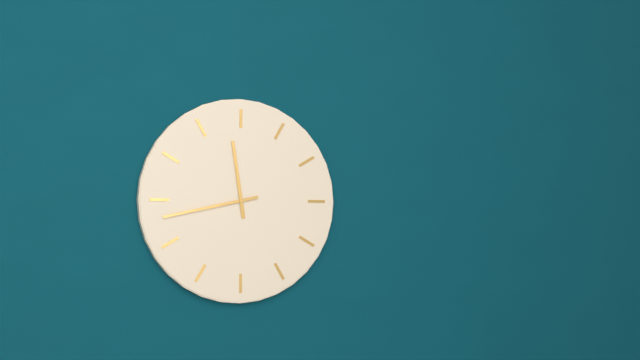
11h43
